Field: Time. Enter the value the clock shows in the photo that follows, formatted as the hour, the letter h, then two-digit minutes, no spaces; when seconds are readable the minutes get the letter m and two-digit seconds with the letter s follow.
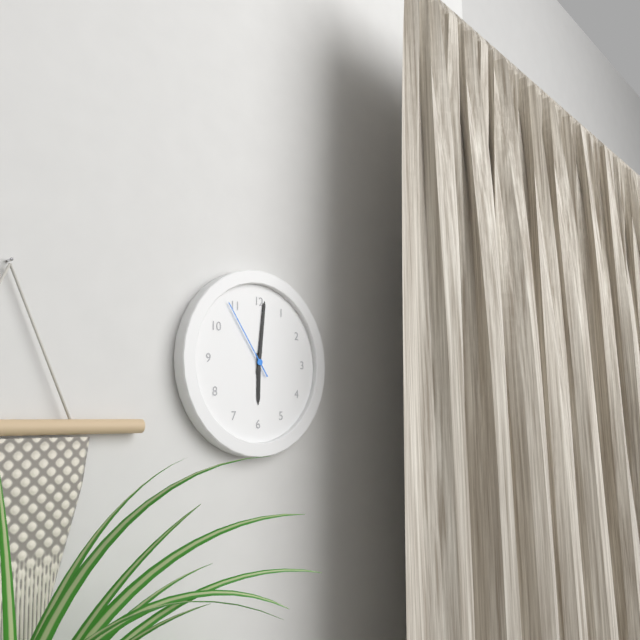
6h01m54s
